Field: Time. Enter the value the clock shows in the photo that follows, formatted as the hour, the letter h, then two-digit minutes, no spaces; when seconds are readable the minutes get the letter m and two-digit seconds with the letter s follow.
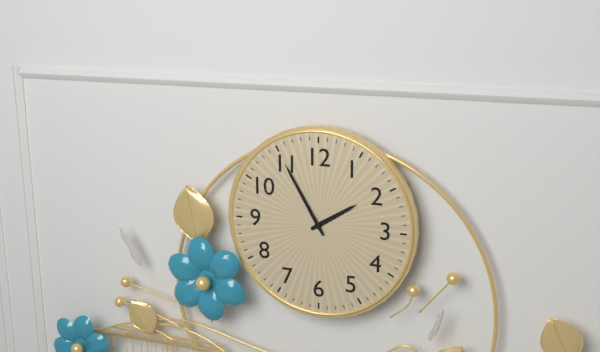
1h55
